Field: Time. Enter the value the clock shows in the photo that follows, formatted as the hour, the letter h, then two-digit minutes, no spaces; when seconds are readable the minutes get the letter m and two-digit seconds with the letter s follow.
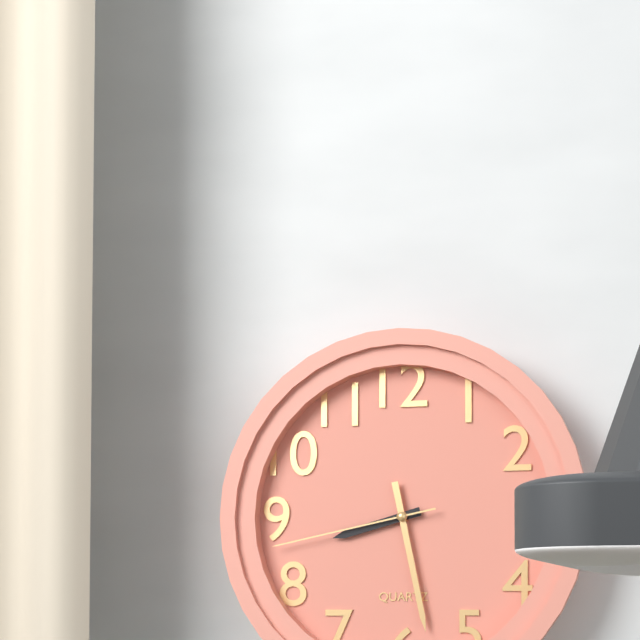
8h28m43s
